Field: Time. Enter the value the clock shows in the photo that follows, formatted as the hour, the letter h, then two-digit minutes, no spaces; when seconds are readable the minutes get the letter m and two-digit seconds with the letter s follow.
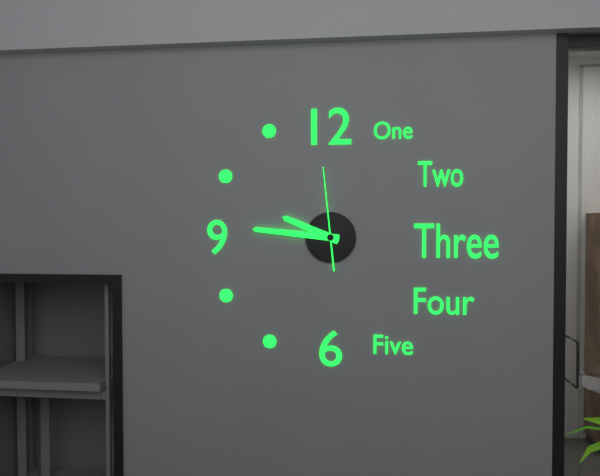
9h46m59s
